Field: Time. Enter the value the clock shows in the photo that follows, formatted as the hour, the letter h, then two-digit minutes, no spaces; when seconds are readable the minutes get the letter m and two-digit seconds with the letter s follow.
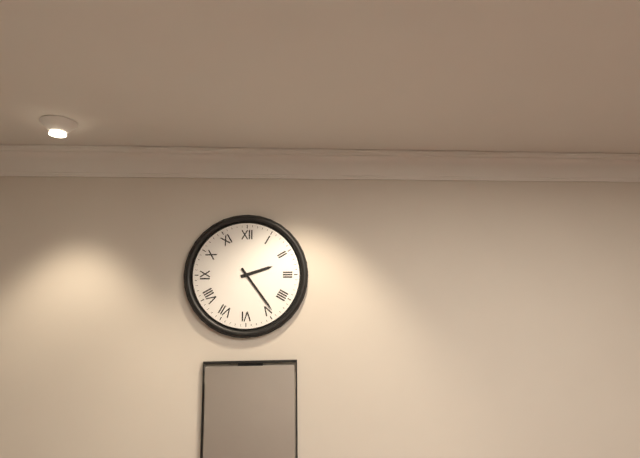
2h24
